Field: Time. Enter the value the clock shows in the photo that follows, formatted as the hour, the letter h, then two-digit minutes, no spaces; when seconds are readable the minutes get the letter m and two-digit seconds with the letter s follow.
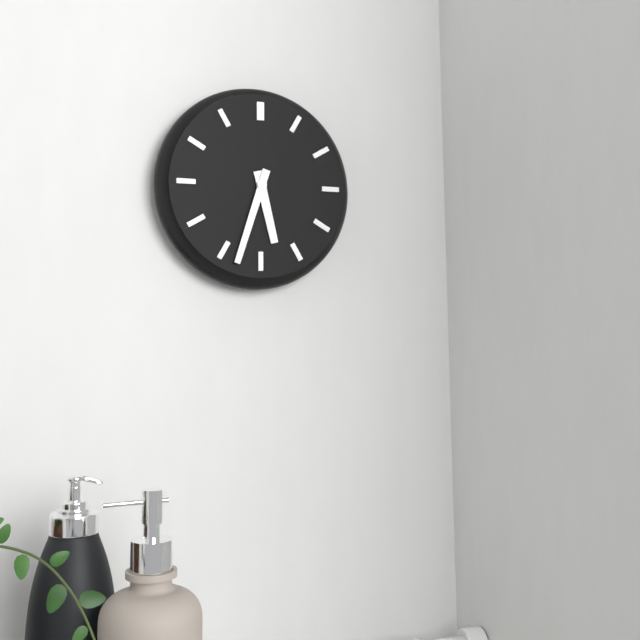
5h33
